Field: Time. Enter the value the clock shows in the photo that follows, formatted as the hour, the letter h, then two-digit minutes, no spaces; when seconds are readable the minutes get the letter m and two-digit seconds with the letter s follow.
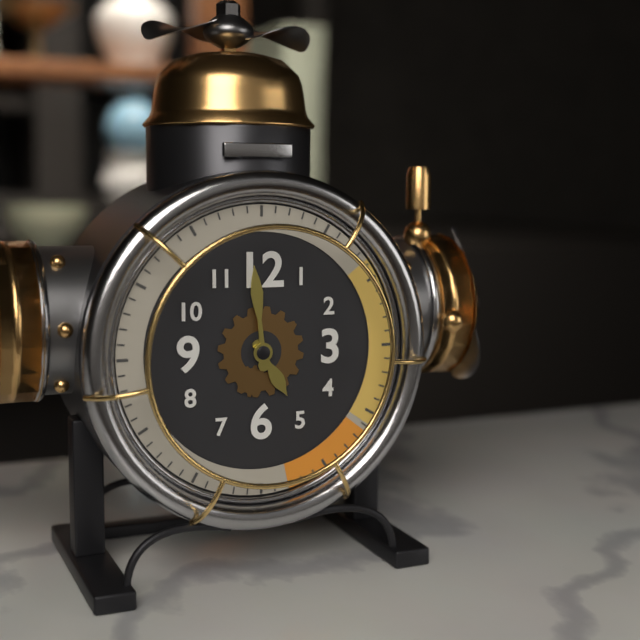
4h59
